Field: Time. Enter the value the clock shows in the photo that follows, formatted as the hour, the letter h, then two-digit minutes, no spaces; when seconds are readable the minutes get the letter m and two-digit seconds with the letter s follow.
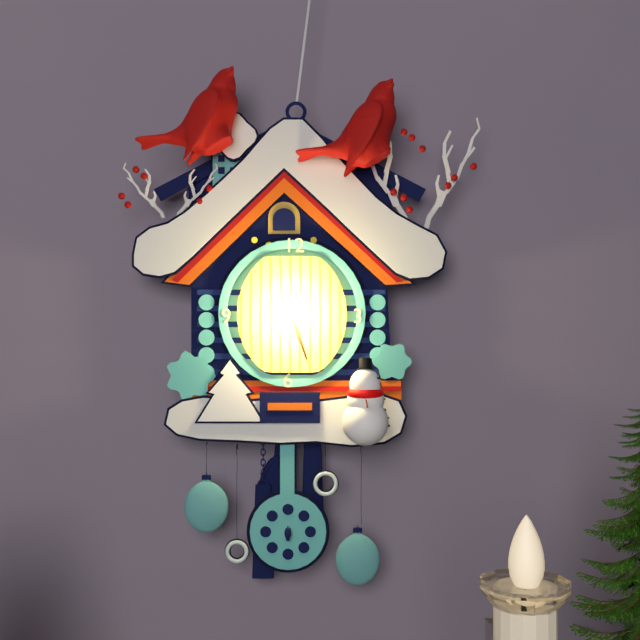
5h27
